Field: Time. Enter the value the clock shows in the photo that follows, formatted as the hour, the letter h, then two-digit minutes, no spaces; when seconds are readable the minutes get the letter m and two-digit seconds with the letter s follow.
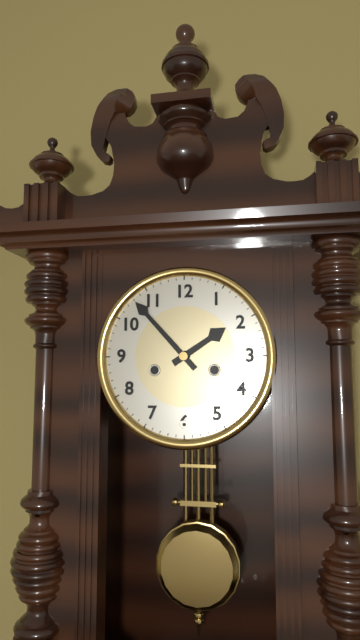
1h53
